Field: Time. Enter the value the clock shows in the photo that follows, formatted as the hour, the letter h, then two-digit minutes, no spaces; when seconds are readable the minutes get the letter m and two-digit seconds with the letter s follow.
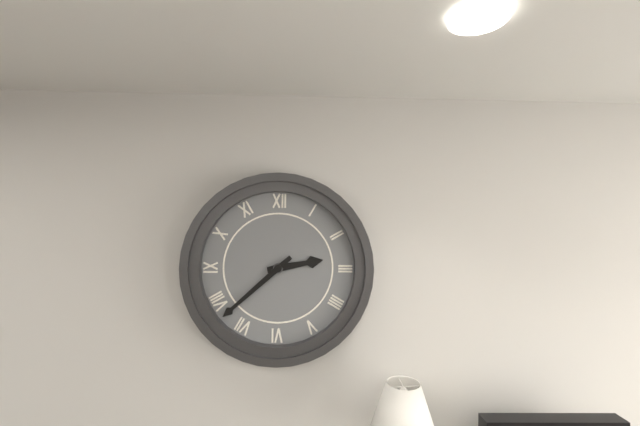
2h38
